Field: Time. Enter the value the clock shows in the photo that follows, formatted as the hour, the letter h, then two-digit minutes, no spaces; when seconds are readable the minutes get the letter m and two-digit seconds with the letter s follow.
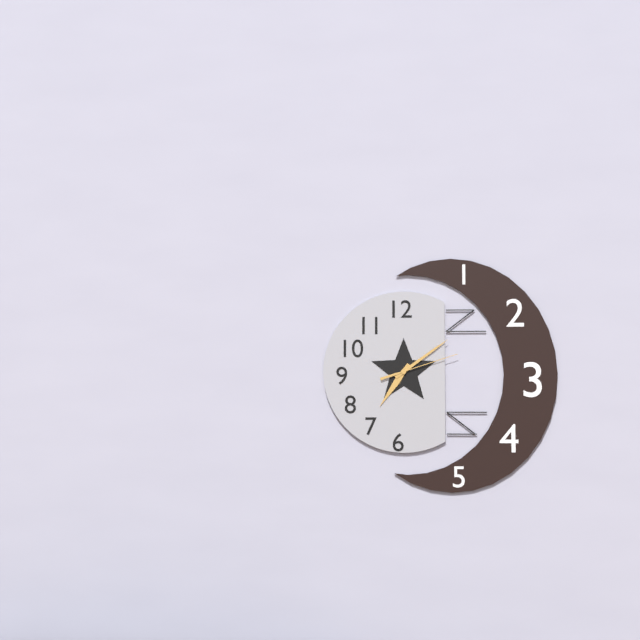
7h09m12s
